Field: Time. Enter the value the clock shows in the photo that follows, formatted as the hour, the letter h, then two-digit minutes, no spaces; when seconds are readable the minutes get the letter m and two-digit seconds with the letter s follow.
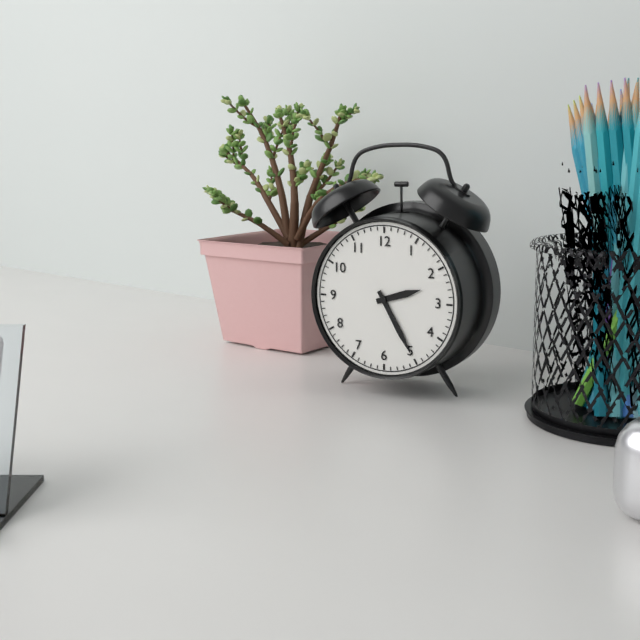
2h25
